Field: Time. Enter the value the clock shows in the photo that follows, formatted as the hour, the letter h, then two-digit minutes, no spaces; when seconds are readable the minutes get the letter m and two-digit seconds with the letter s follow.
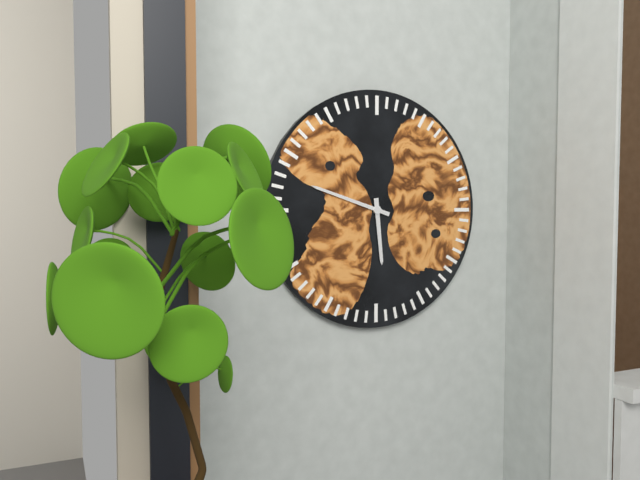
5h48
